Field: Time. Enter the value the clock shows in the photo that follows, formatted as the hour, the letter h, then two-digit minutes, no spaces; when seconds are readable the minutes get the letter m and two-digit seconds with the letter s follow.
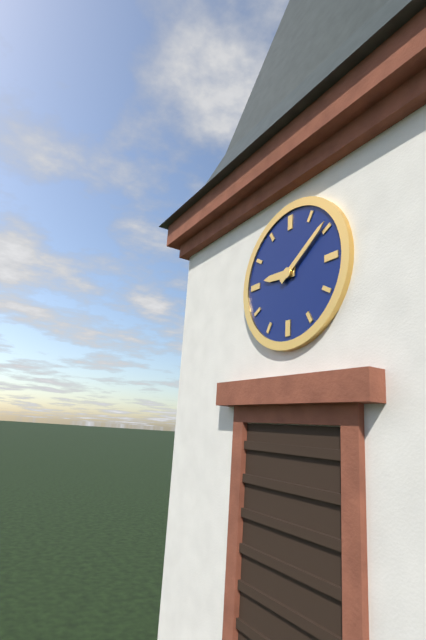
9h09
